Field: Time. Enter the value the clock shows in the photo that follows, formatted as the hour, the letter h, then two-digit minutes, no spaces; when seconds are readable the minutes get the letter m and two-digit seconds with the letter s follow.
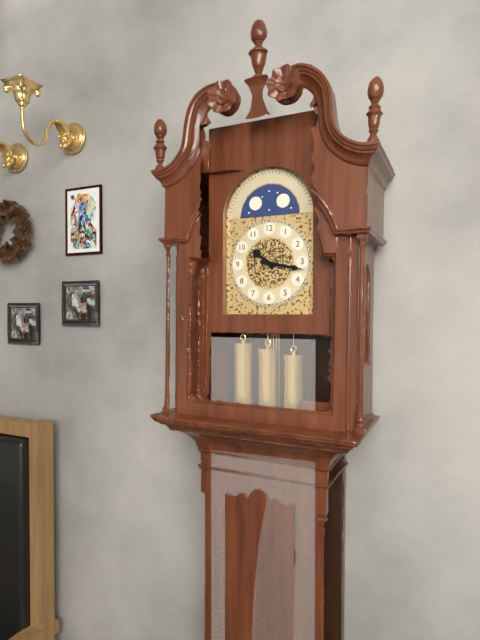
10h17
